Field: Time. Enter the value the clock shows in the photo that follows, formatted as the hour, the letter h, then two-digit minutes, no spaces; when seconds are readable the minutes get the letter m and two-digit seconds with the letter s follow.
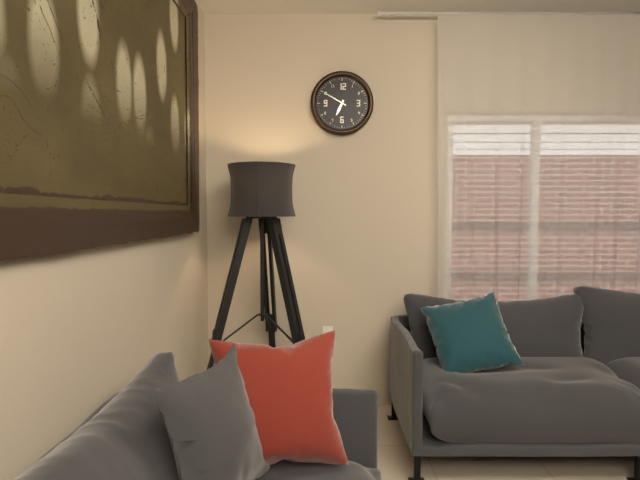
6h50
